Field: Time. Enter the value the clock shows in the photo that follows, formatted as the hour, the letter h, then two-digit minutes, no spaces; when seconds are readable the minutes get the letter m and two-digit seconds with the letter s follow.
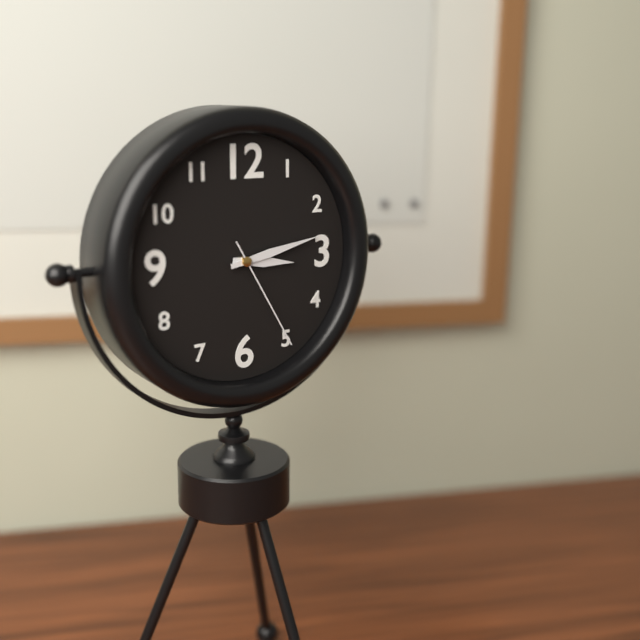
3h13m25s
